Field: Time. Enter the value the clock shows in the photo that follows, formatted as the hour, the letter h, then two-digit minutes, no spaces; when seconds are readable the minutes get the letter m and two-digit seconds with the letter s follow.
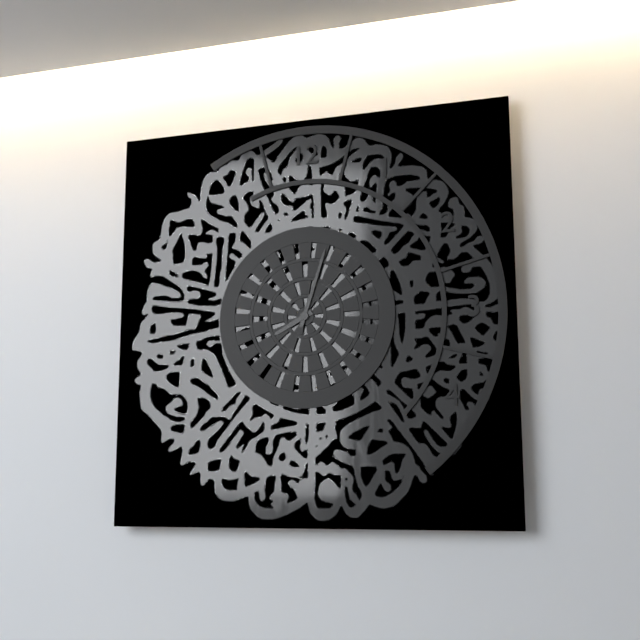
8h03
